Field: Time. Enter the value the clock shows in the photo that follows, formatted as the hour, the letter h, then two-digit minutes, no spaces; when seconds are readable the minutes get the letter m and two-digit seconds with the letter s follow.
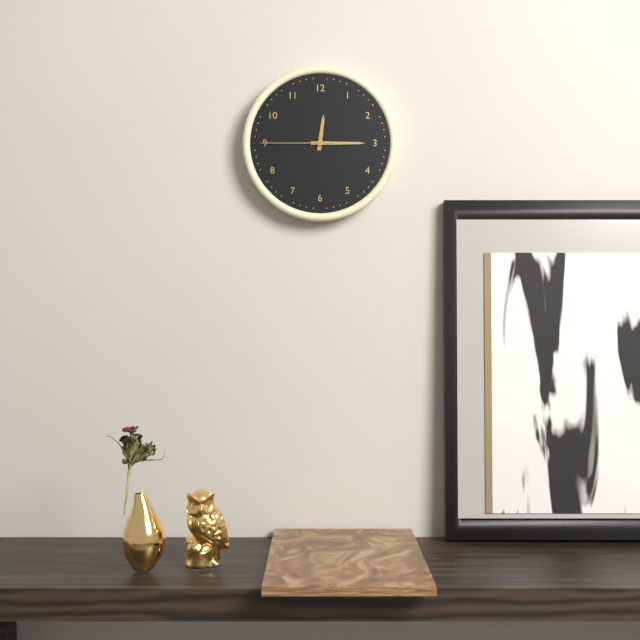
12h15m45s
